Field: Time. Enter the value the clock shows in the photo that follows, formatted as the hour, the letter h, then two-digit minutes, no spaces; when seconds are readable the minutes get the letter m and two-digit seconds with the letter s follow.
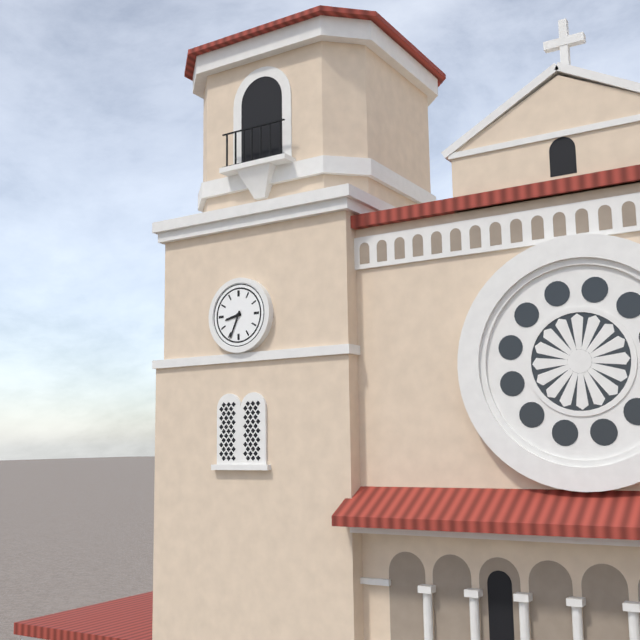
8h34
